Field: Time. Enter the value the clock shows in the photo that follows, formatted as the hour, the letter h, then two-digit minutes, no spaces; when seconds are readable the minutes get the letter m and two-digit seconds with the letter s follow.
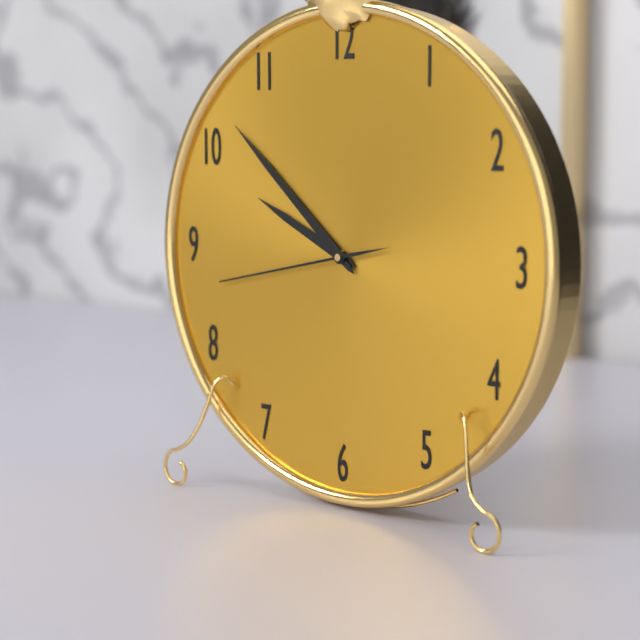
9h52m43s
